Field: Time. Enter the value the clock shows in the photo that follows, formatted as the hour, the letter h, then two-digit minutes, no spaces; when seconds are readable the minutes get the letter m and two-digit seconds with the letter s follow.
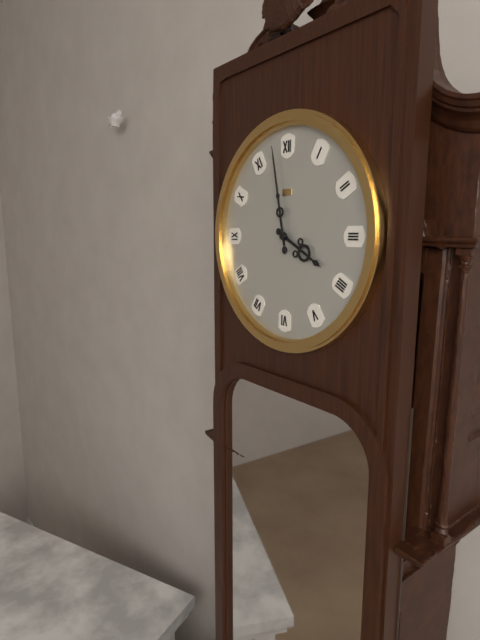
3h58
